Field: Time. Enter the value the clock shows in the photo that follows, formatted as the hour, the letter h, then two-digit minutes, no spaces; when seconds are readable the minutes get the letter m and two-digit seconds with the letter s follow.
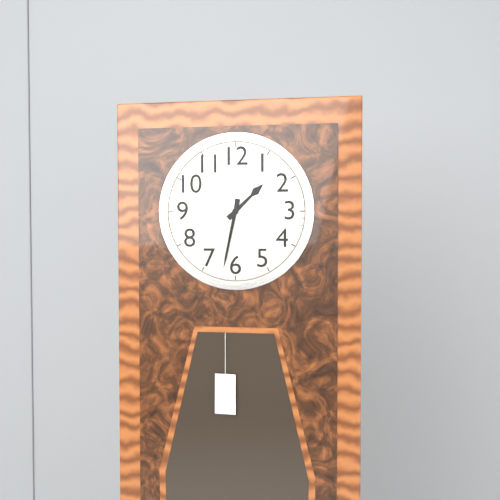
1h32
